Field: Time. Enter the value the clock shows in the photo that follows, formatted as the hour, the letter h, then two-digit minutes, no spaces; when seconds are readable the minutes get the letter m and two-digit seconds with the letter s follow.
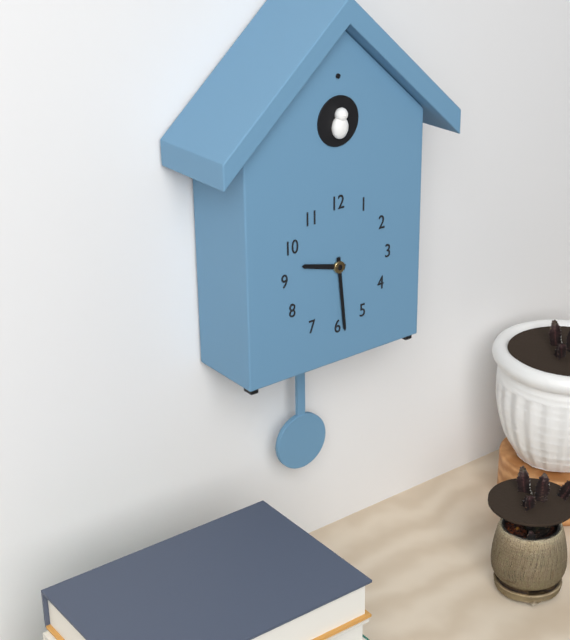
9h29
